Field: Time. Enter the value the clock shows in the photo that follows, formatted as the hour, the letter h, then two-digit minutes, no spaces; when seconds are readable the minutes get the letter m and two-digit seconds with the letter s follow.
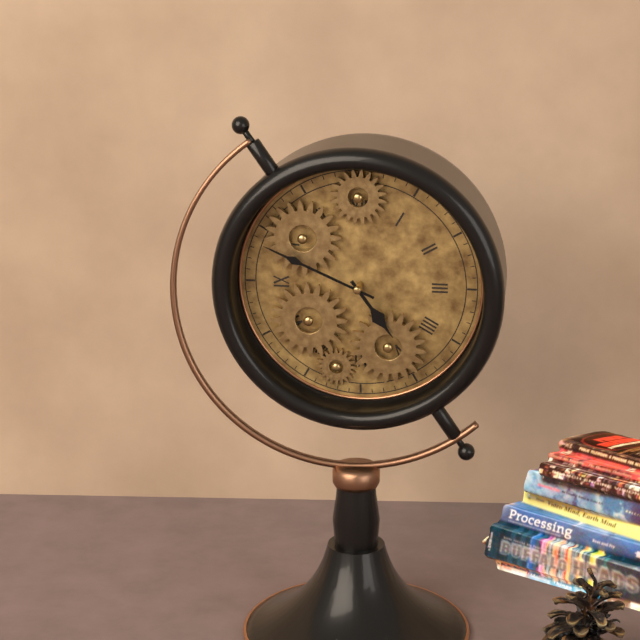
4h49
